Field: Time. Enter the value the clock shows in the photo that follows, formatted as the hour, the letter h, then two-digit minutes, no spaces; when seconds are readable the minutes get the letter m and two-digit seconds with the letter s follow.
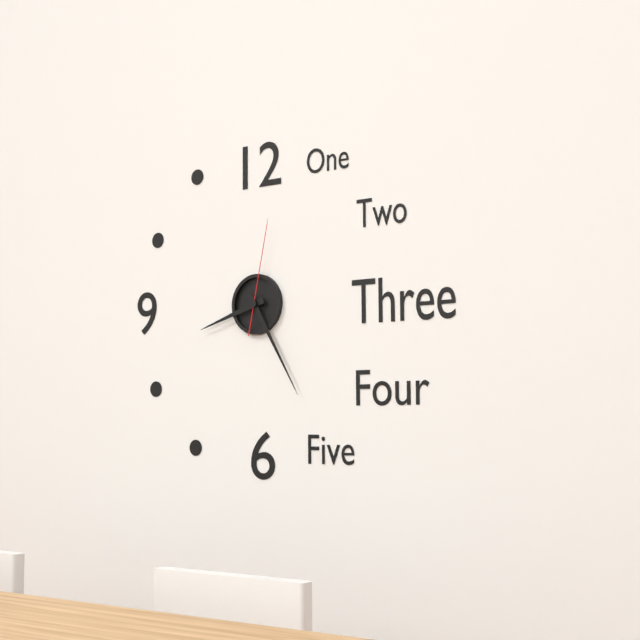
8h25m02s
